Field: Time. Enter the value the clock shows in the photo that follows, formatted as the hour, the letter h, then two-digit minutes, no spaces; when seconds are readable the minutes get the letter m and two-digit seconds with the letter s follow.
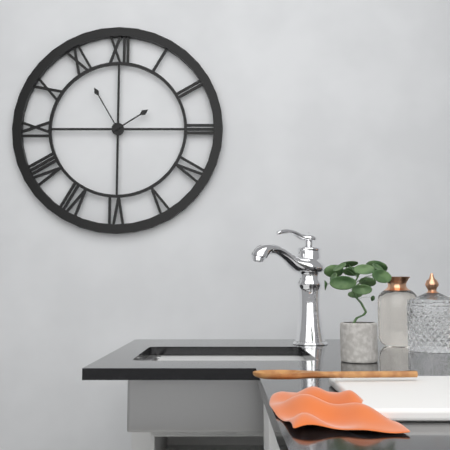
1h55
